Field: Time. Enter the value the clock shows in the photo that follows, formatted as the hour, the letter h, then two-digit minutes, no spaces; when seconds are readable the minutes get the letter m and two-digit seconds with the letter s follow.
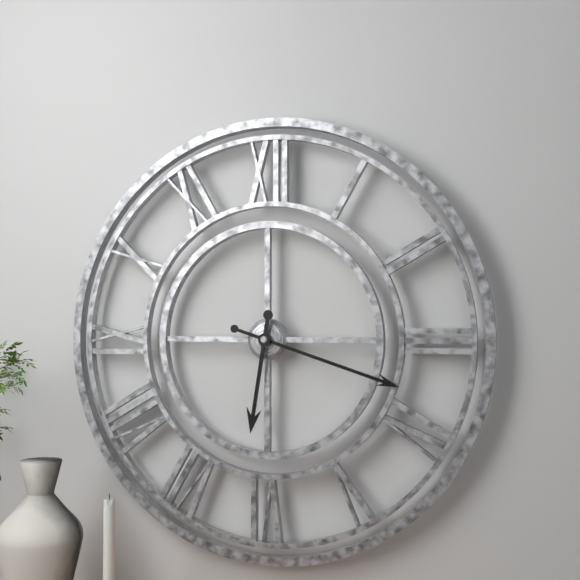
6h18
